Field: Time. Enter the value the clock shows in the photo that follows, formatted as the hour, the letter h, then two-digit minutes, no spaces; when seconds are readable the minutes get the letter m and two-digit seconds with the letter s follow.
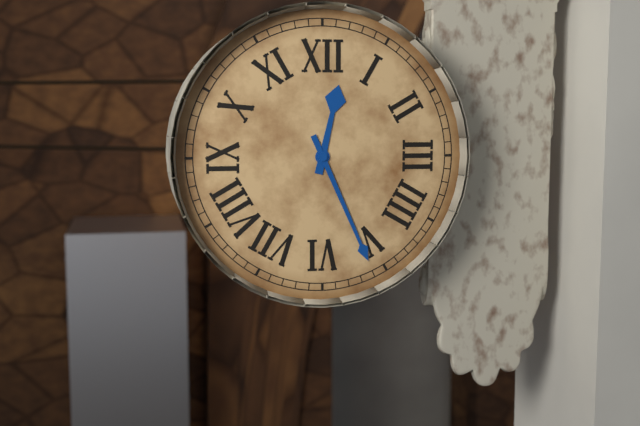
12h26
